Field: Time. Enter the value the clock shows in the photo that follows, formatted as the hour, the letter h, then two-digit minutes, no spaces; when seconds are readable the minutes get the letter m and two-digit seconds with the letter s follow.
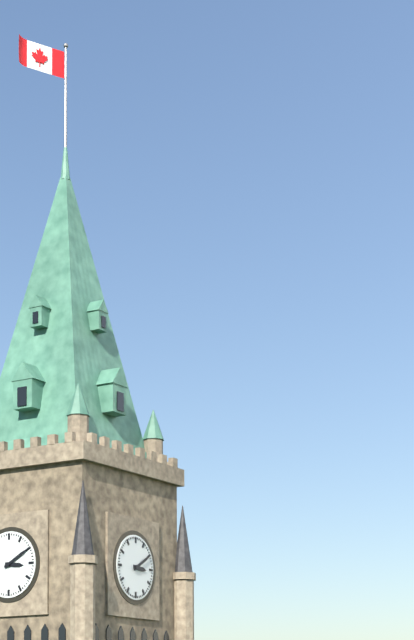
3h10
